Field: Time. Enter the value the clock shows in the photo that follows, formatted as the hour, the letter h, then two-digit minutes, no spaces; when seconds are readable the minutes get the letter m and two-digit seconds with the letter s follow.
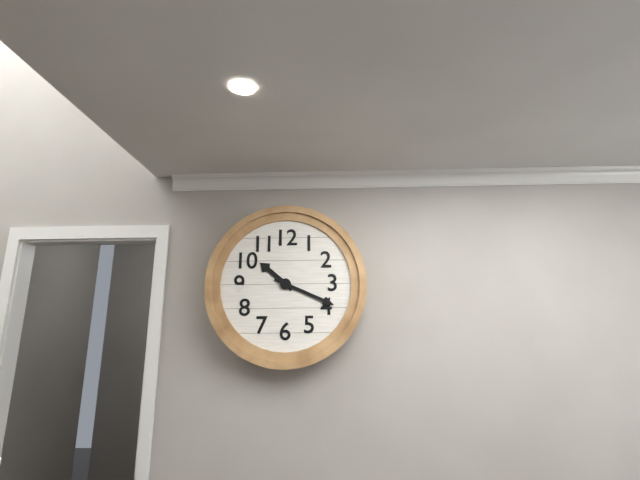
10h19
